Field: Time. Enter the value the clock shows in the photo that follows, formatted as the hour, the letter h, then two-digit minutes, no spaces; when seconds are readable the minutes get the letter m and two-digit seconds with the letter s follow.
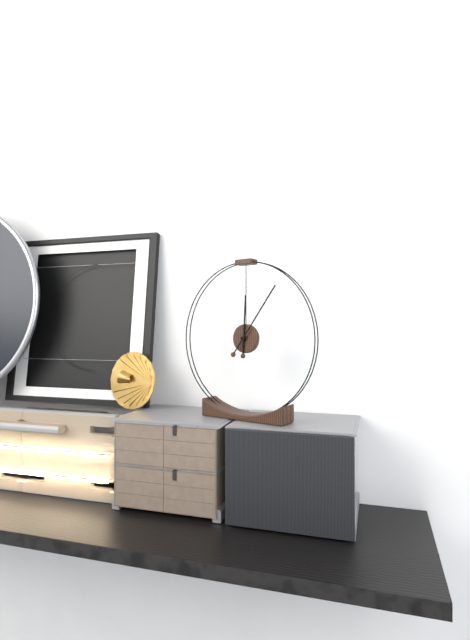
12h06
